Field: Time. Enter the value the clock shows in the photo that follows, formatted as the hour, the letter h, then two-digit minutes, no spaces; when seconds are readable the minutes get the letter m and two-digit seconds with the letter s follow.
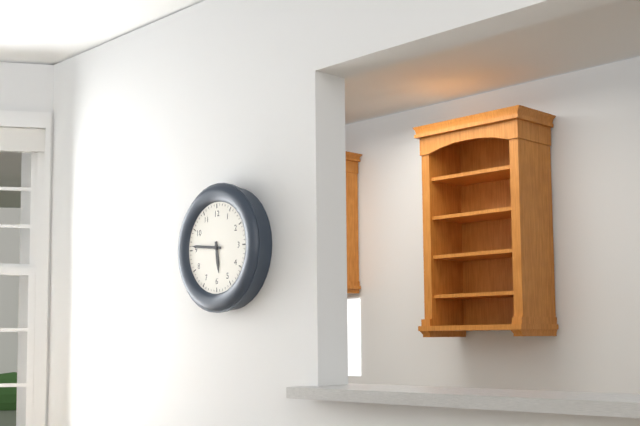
5h46
